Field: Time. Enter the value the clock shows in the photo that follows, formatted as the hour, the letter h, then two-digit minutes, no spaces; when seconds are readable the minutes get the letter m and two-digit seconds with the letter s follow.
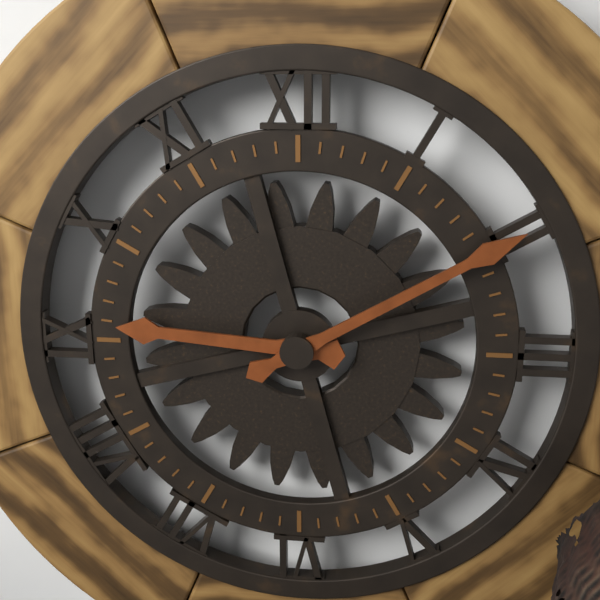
9h10
